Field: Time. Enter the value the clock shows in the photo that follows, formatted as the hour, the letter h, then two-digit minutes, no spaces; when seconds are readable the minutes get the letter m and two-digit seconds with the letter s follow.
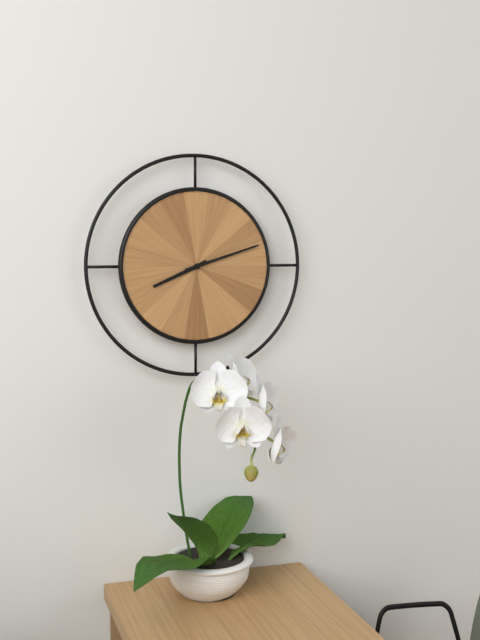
8h12
